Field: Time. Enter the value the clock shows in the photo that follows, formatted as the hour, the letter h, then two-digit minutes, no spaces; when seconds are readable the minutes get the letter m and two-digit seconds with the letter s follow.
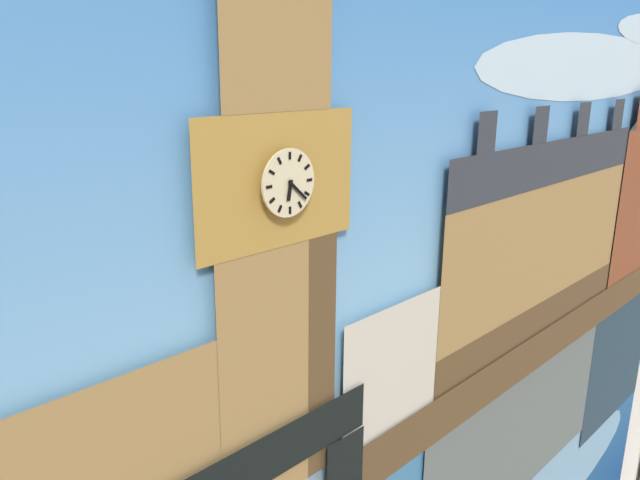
6h22
